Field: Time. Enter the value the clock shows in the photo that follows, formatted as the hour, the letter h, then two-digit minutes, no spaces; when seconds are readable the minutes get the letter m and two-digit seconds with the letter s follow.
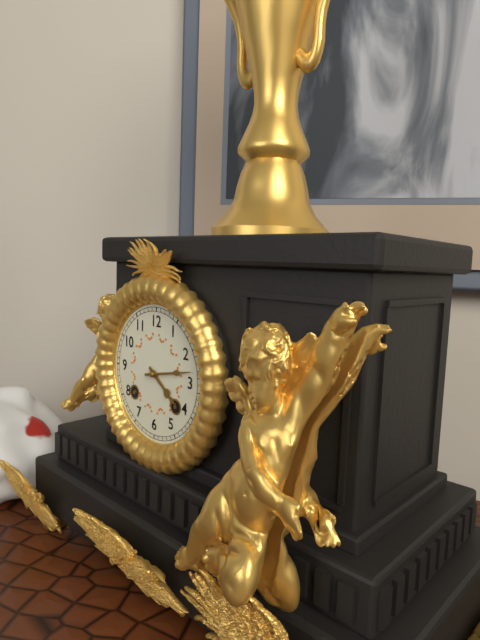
4h13
